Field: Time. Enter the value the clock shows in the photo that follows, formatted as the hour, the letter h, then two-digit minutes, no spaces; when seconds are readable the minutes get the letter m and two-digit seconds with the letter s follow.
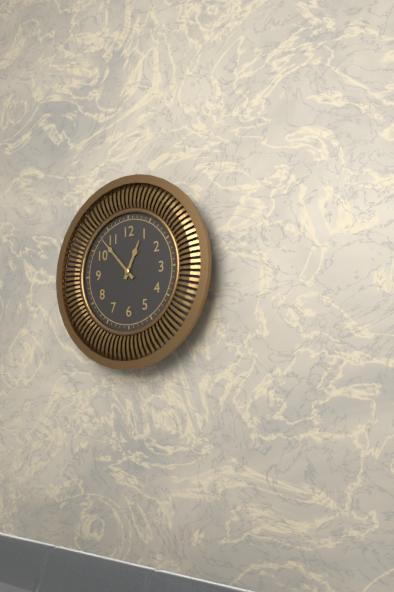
12h53
